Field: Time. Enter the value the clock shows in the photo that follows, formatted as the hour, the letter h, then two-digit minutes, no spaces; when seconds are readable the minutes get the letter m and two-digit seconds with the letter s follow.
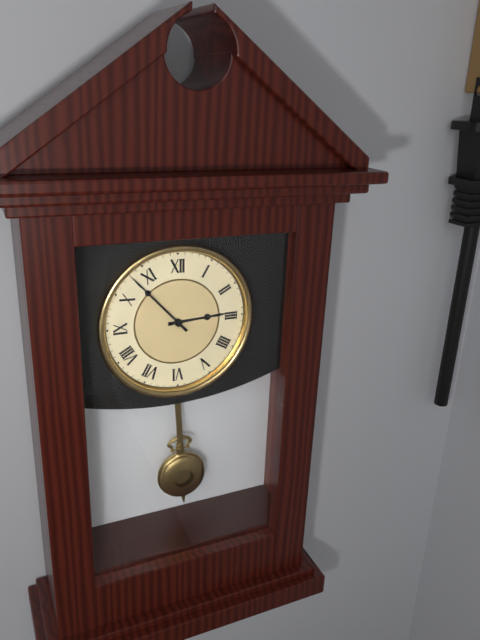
2h53
